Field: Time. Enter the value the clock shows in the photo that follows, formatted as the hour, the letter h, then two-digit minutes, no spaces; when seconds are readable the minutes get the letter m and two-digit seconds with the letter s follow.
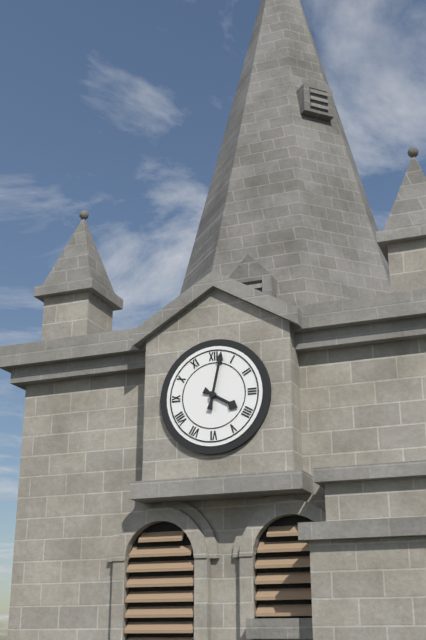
4h02
